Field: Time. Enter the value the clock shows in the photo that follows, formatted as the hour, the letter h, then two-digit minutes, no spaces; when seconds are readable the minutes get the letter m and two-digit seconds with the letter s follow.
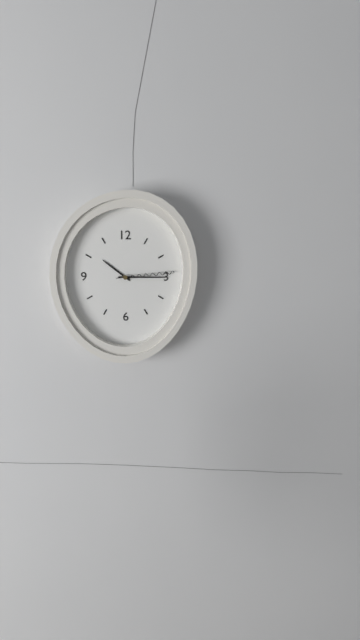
10h15m14s
